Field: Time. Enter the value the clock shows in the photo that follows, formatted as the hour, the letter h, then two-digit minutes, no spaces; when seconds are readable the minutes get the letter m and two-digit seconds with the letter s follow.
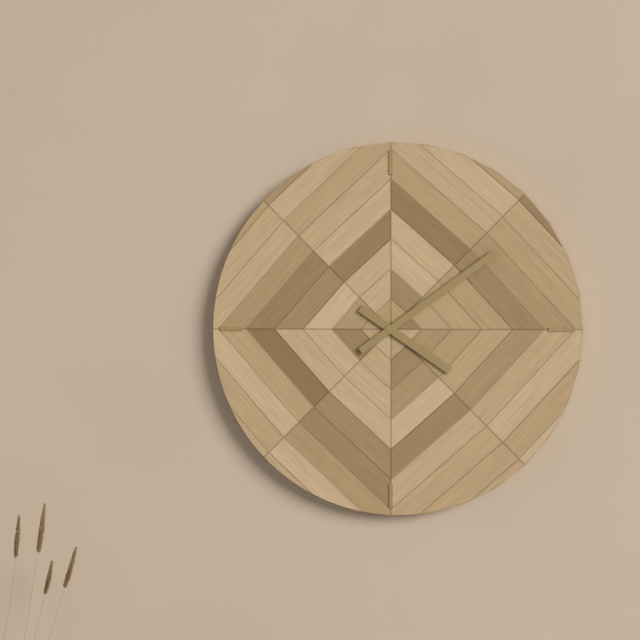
4h09
